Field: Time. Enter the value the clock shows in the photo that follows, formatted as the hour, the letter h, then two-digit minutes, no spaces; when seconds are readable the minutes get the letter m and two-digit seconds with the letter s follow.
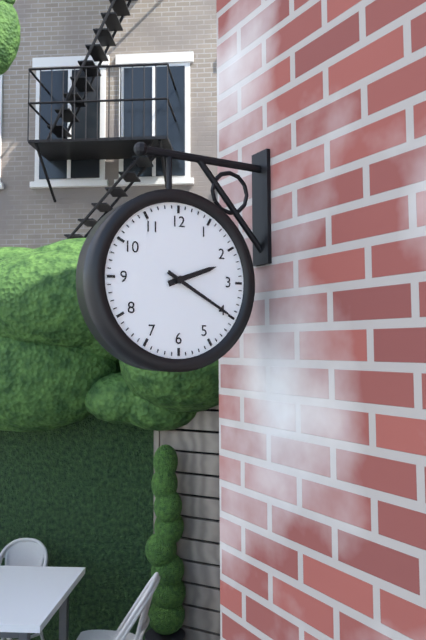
2h20
